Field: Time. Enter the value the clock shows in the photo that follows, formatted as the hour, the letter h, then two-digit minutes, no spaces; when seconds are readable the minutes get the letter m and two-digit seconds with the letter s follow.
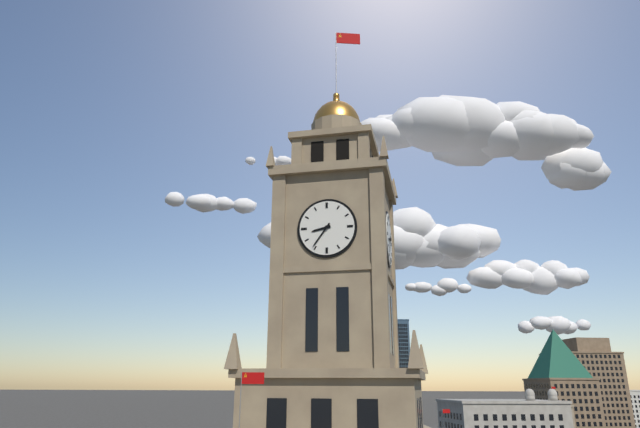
8h36
